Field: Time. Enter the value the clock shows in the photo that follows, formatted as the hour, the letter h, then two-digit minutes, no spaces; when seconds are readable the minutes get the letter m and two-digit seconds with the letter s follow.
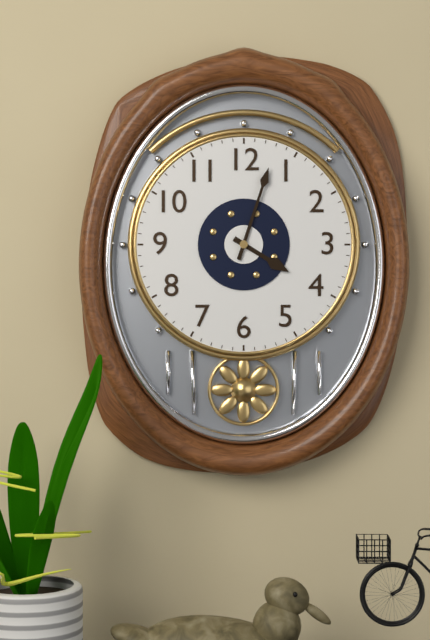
4h03
